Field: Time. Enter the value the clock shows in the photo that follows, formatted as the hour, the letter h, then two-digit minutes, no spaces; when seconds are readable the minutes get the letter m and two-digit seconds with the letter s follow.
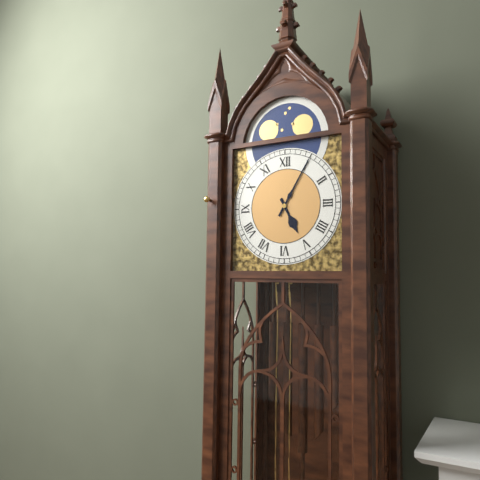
5h05
